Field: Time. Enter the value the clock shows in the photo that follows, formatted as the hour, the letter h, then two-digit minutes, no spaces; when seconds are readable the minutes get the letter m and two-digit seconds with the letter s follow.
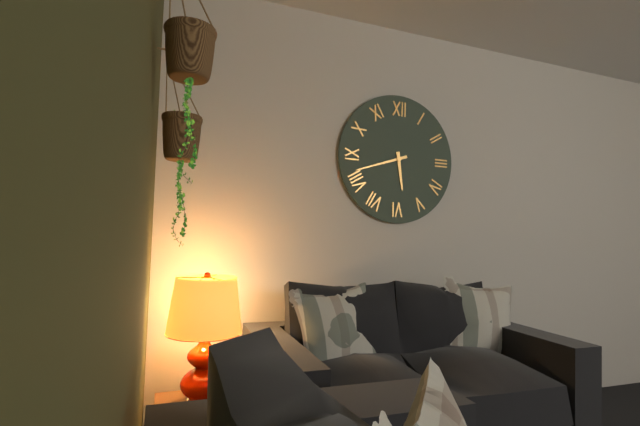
5h42
